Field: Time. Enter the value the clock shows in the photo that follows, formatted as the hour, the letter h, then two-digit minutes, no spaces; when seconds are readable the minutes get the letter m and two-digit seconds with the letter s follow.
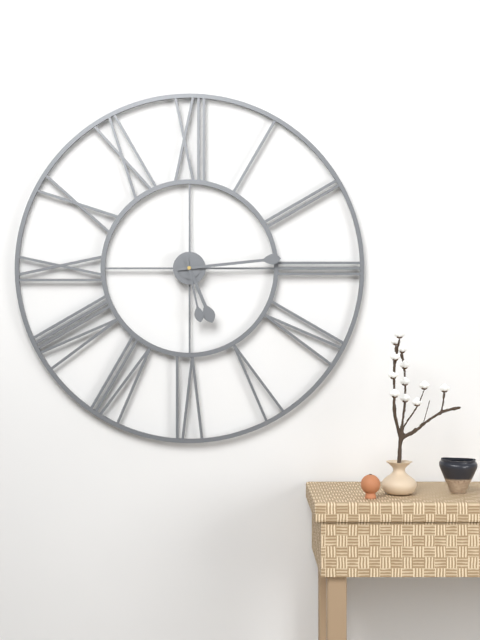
5h14m28s
